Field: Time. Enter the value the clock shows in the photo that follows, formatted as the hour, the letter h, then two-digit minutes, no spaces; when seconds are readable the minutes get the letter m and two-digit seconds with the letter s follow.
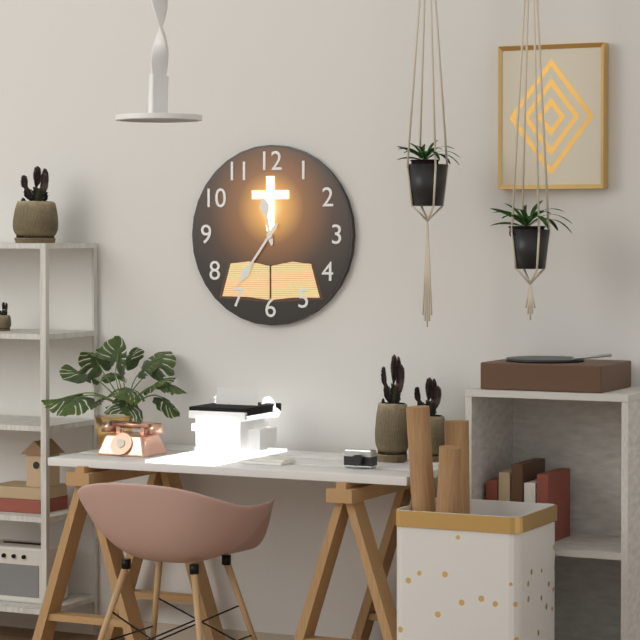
11h36
